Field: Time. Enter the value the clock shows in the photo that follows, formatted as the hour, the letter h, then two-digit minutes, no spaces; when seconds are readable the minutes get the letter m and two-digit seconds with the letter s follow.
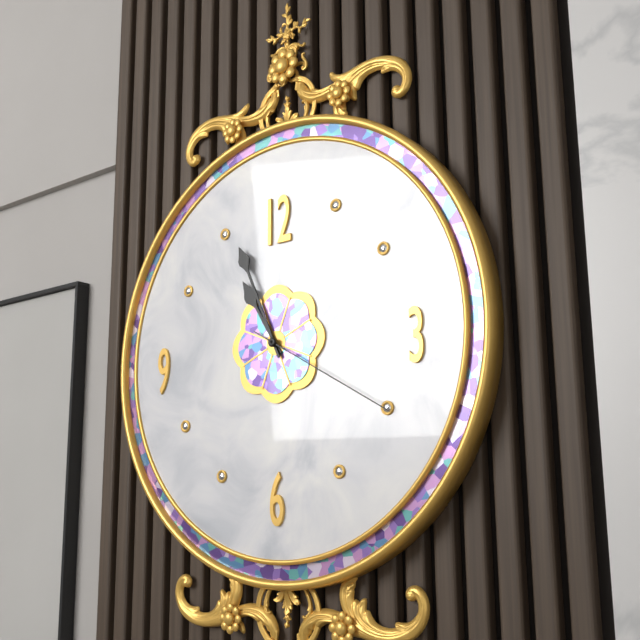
10h56m20s
